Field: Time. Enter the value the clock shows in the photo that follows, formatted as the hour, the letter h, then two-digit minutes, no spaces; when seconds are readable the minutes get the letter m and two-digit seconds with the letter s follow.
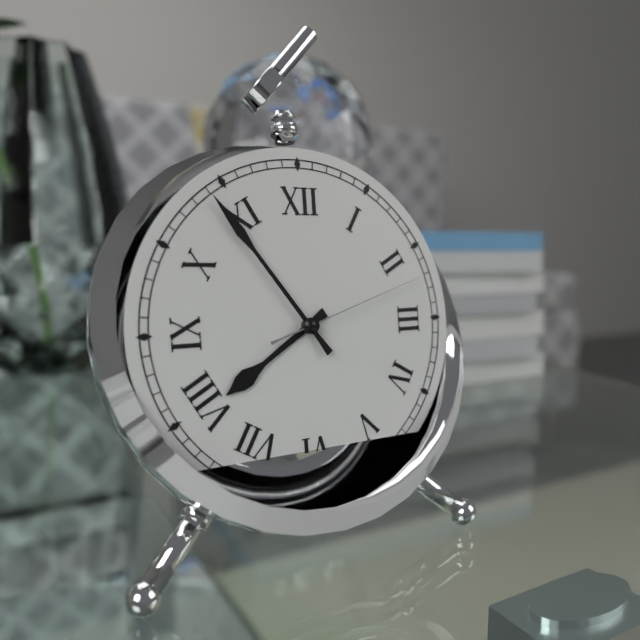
7h54m12s
